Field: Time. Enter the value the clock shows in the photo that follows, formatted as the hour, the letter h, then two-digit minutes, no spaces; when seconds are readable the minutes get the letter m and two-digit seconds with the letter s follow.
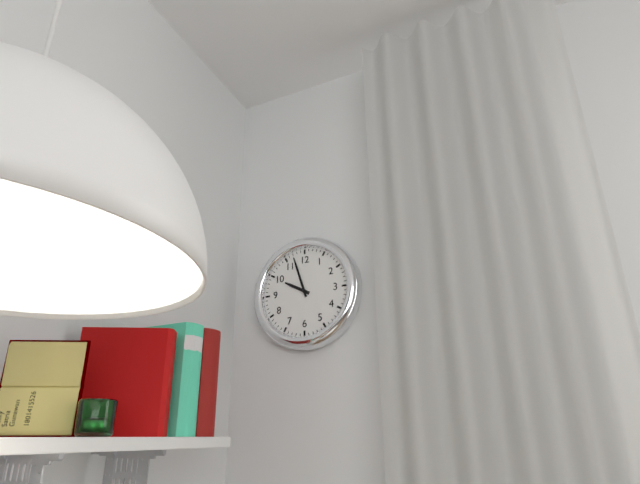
9h57
